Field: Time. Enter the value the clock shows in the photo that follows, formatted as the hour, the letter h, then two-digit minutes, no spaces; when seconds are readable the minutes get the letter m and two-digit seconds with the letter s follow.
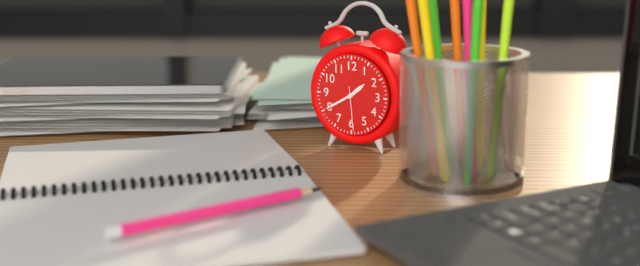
1h40
